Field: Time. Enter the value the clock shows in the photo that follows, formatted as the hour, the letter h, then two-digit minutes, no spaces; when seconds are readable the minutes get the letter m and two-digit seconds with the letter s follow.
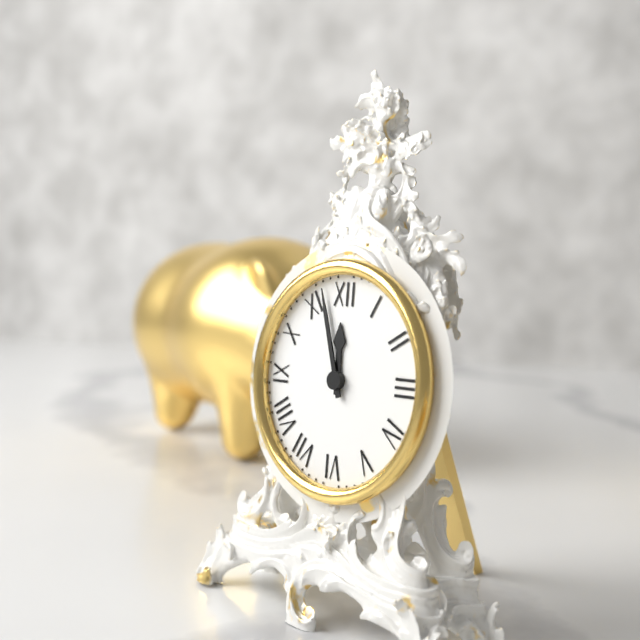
11h57
